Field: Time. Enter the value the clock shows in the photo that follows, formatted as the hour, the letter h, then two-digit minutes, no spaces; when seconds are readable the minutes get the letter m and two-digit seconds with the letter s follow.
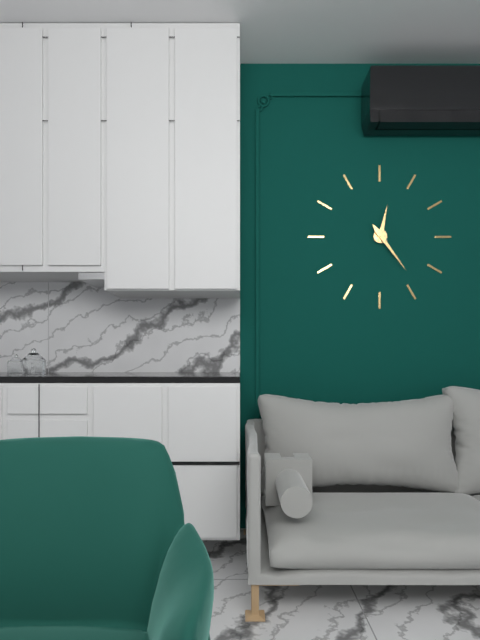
12h24
